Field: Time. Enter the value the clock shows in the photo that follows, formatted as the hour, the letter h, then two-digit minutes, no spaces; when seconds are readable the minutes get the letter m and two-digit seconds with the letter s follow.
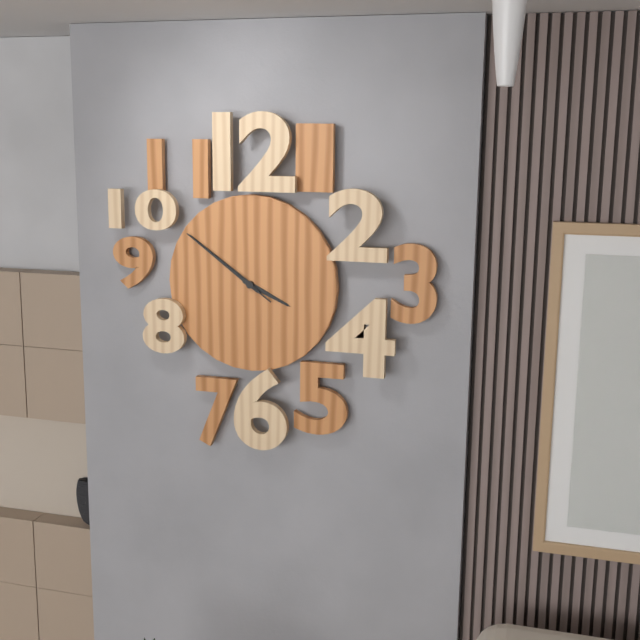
3h51m51s
